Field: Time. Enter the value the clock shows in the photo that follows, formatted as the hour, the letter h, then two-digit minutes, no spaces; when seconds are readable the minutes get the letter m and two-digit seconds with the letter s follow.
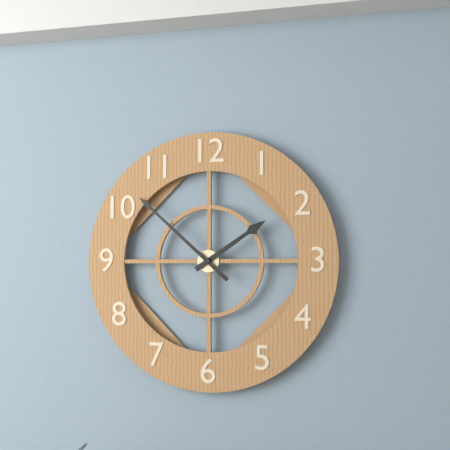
1h52
